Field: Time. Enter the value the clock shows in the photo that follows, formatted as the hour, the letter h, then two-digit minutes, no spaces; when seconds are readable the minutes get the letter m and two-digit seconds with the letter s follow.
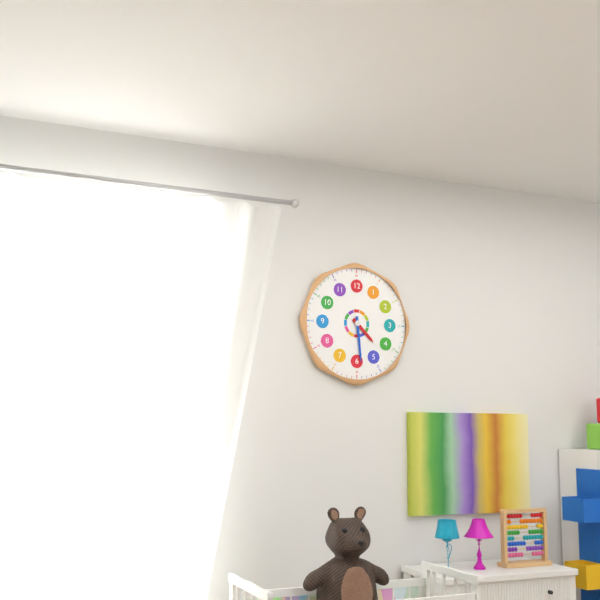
4h29
